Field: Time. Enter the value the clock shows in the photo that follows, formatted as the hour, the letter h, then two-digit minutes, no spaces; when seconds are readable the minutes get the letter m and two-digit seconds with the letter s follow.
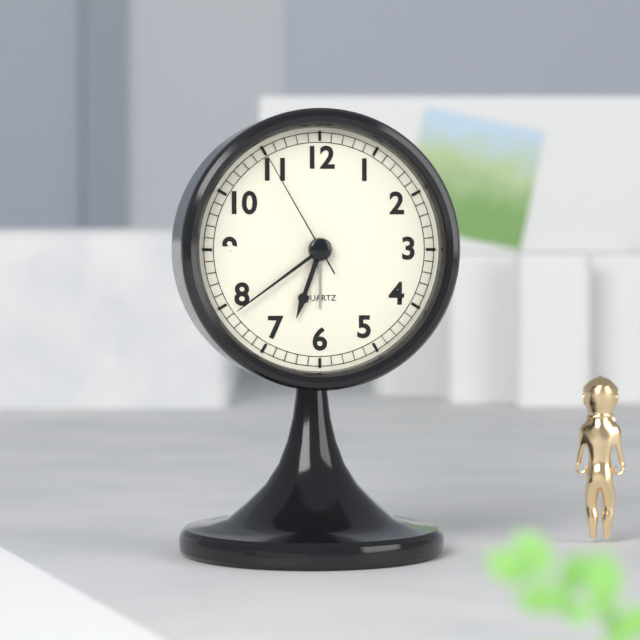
6h39m55s
